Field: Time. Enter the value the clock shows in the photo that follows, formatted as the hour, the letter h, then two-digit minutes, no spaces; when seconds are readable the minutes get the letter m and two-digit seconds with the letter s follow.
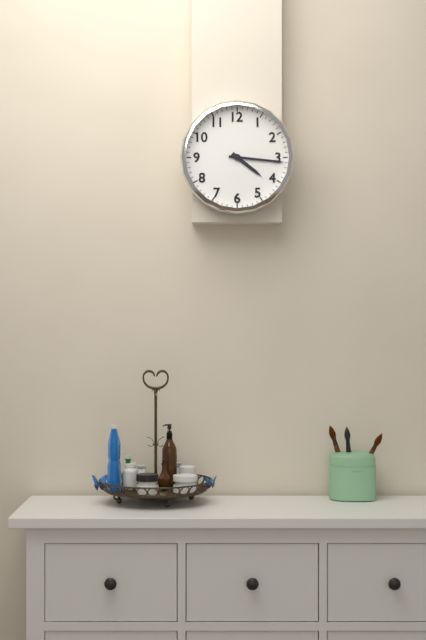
4h16
